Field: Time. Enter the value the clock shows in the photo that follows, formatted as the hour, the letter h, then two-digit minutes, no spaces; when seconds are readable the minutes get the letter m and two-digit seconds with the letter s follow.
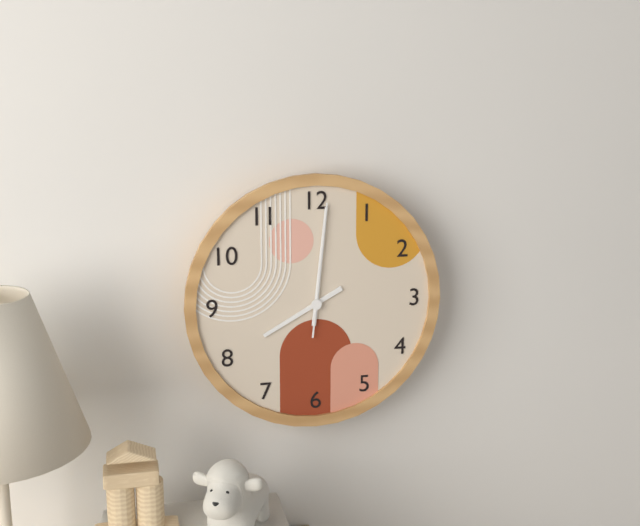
8h01m01s
